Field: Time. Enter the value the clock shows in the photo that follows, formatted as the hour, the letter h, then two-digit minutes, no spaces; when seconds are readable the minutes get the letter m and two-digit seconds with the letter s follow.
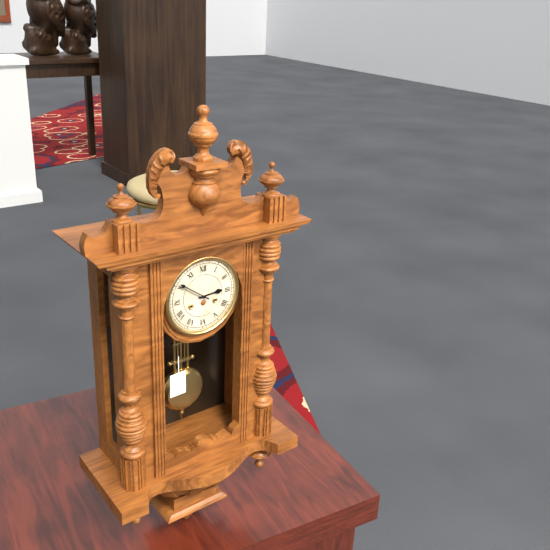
2h51
